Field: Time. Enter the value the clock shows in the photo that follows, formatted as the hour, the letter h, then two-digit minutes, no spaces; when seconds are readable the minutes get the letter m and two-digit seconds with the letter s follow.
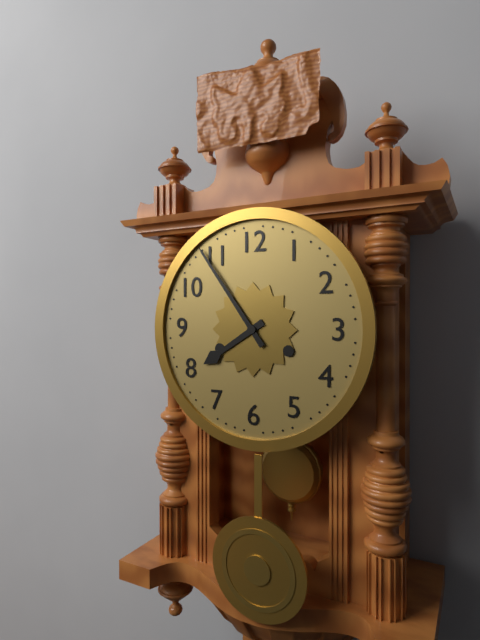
7h54
